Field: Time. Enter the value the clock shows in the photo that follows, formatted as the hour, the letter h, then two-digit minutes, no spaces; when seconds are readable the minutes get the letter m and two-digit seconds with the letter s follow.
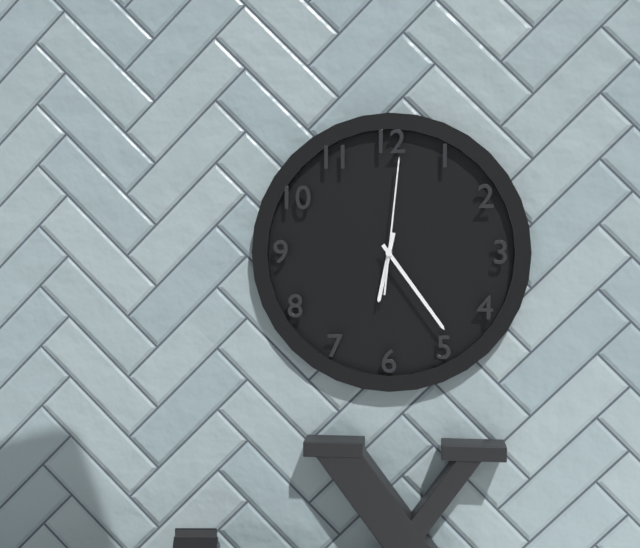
6h24m01s
